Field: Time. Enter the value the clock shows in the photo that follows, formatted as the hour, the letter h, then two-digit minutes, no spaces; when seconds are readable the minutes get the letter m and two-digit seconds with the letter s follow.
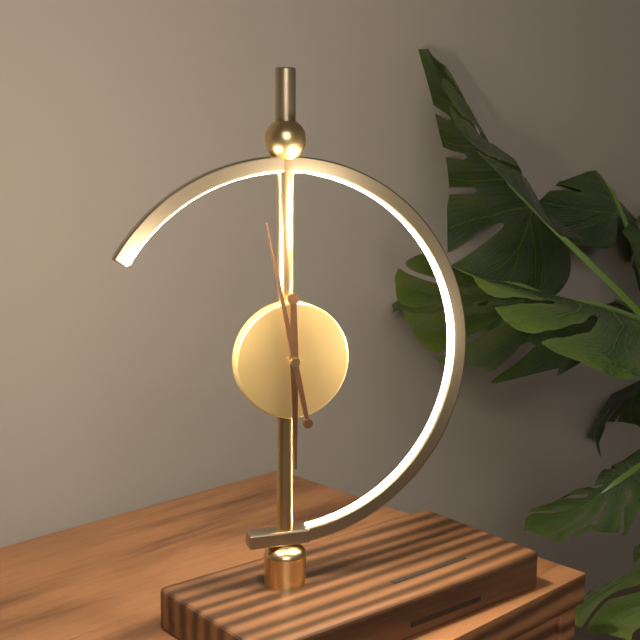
5h58
